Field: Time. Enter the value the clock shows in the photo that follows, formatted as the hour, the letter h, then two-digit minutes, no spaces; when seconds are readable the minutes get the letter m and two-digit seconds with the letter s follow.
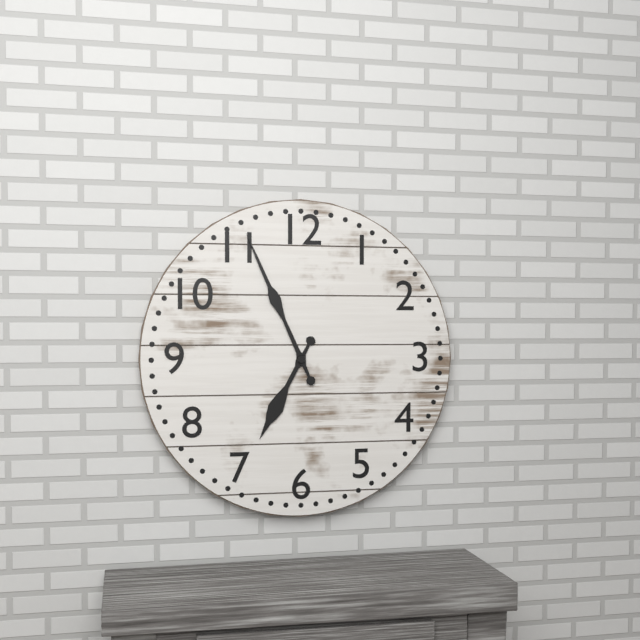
6h56
